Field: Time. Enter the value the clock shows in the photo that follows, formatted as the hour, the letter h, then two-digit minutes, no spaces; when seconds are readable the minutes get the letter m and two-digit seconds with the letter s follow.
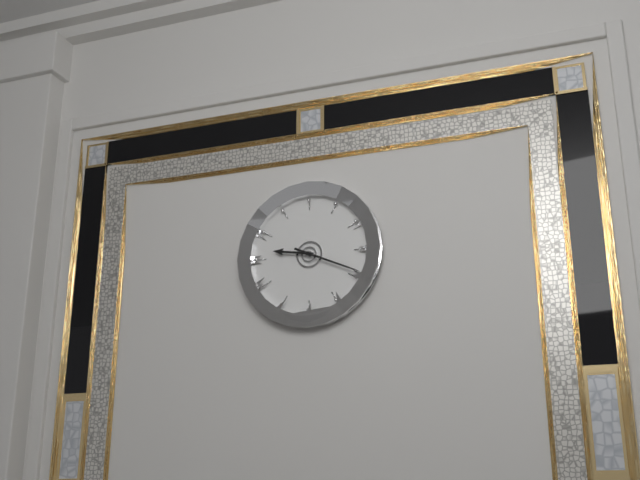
9h19
